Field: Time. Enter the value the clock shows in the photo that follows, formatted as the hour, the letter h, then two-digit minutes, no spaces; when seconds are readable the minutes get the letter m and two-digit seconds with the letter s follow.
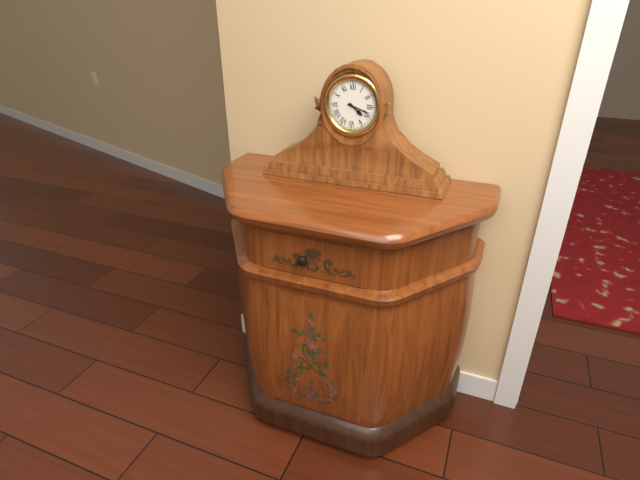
4h18
